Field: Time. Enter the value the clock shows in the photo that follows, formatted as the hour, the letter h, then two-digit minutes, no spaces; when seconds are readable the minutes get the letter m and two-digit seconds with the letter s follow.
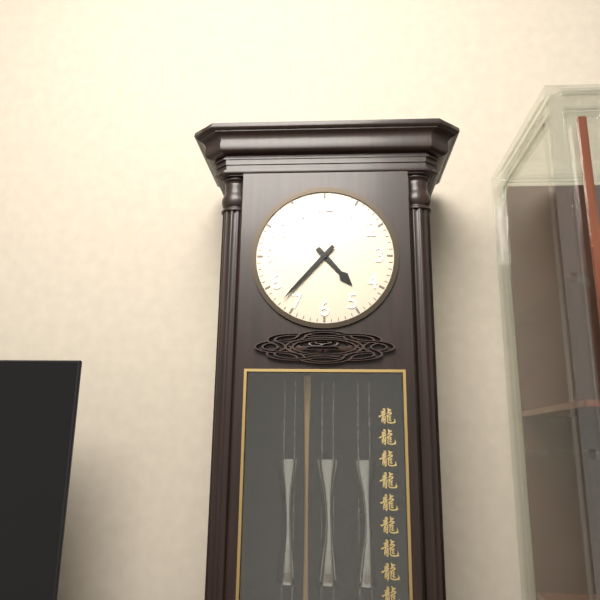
4h37
